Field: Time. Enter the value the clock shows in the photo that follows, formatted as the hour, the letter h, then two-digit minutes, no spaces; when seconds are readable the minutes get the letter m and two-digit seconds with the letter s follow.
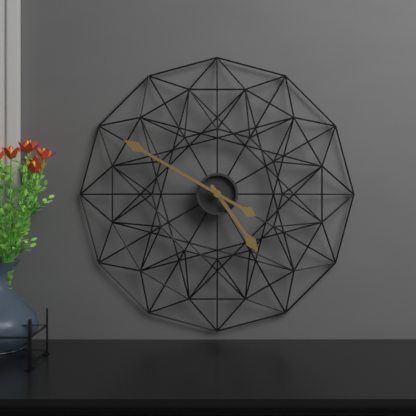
4h50
